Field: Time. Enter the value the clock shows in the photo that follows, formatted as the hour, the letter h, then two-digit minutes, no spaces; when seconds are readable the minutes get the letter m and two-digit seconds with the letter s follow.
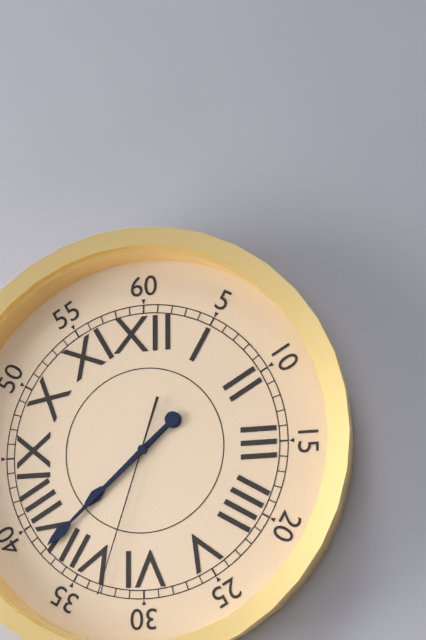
7h38m33s
